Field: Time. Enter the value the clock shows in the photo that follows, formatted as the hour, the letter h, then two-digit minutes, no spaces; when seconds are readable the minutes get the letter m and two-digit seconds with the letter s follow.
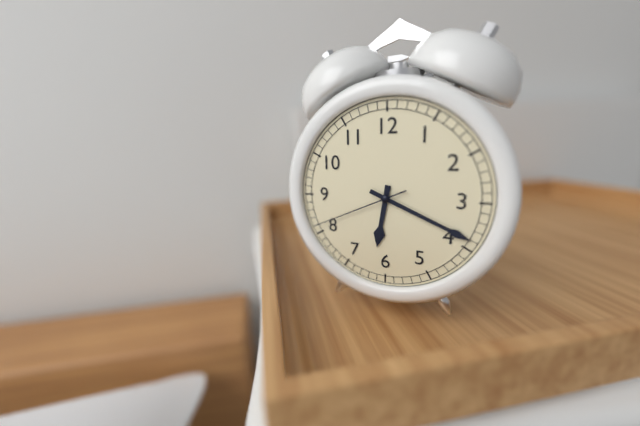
6h19m41s
